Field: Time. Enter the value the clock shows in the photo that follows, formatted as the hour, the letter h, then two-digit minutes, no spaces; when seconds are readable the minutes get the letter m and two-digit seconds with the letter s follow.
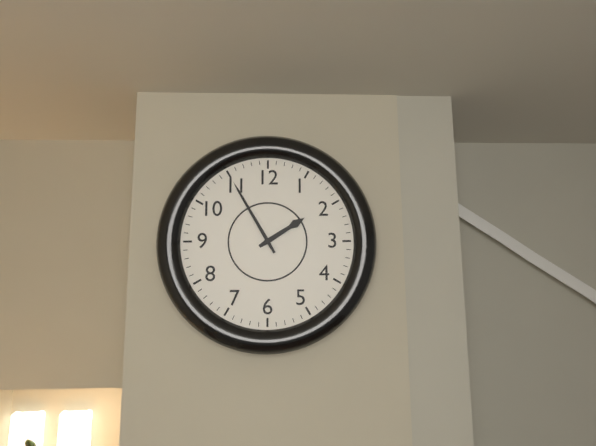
1h55
